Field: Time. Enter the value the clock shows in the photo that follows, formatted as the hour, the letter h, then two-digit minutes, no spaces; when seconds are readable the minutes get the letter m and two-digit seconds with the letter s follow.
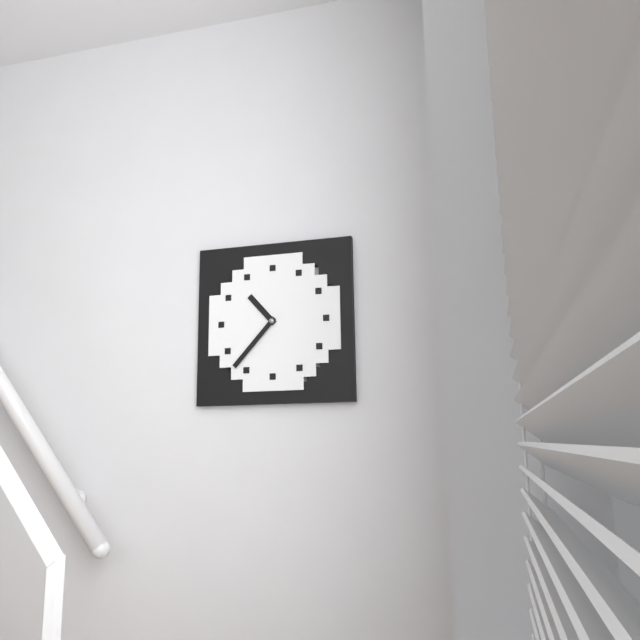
10h37
